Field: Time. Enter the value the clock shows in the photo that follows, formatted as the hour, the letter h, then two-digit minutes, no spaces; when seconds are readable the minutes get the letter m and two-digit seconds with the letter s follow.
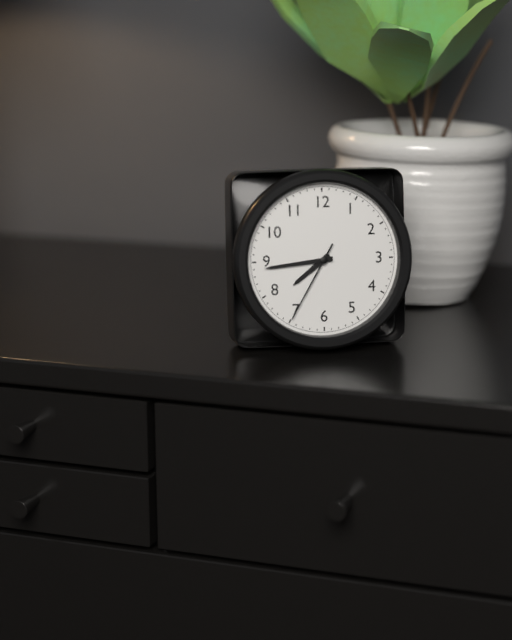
7h44m35s
